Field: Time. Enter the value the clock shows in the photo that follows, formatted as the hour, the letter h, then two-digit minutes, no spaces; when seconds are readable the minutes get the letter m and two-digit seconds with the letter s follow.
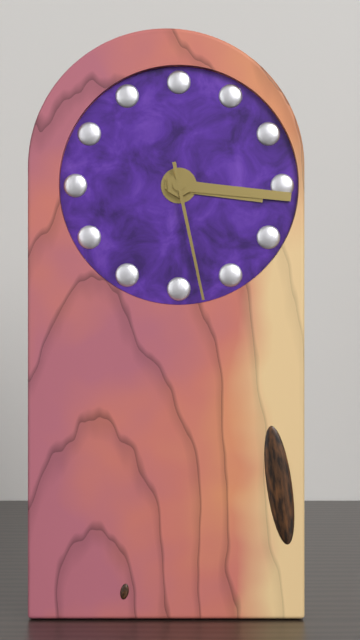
3h16m28s
